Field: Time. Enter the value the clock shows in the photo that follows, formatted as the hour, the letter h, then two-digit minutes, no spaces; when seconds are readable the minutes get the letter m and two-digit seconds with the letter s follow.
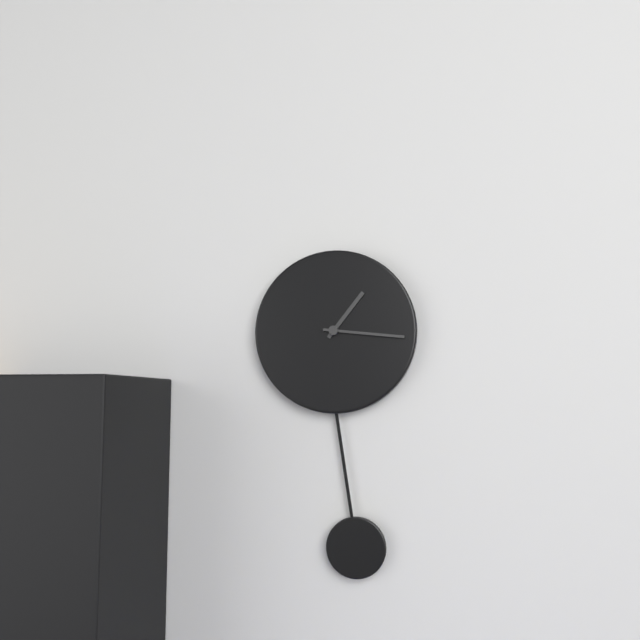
1h16
